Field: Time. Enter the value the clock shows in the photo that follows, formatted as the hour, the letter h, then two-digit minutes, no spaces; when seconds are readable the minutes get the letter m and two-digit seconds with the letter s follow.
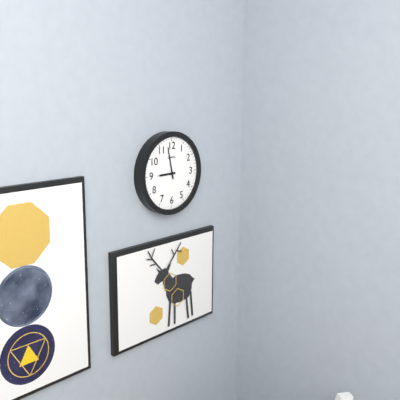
8h58
